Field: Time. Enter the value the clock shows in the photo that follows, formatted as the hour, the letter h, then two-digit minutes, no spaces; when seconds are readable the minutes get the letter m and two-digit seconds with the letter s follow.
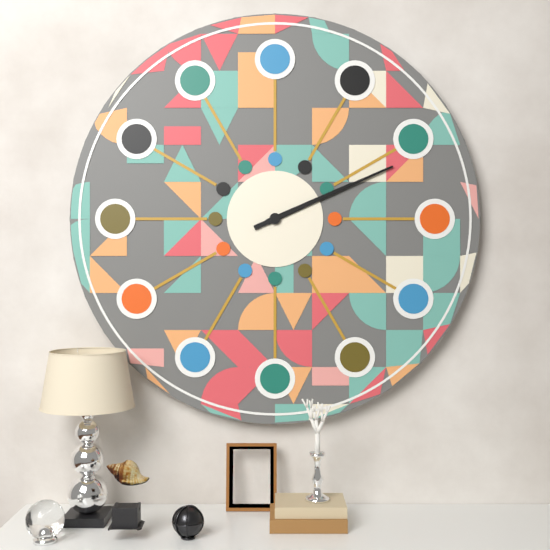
2h11
